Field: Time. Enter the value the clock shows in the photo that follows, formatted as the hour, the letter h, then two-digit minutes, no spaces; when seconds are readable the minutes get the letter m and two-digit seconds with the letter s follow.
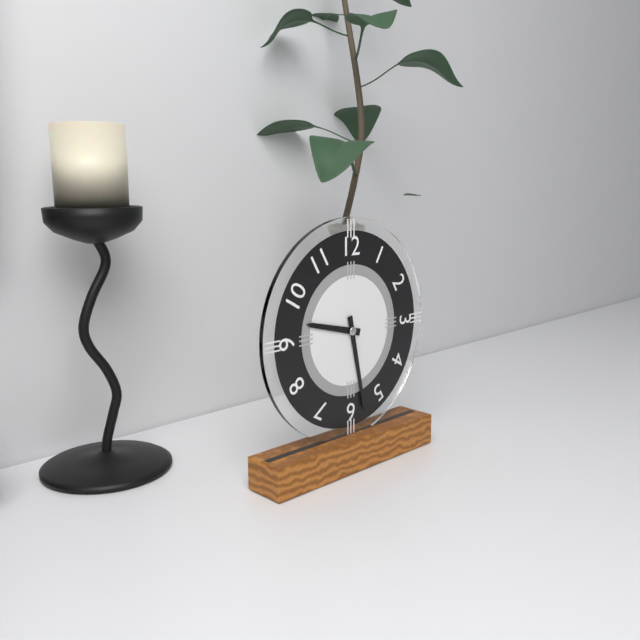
9h28
